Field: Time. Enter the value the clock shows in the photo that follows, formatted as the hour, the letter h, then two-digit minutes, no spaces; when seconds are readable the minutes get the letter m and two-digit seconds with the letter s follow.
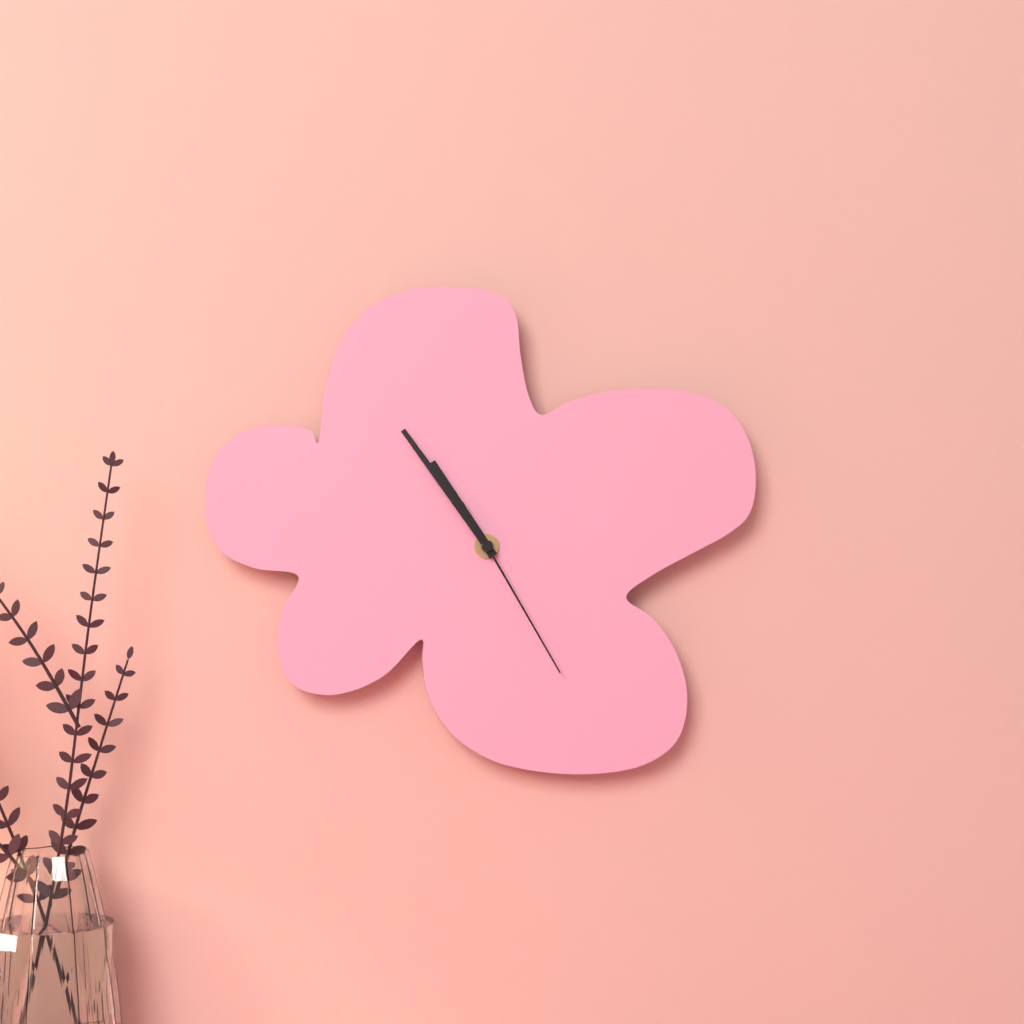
10h54m25s
